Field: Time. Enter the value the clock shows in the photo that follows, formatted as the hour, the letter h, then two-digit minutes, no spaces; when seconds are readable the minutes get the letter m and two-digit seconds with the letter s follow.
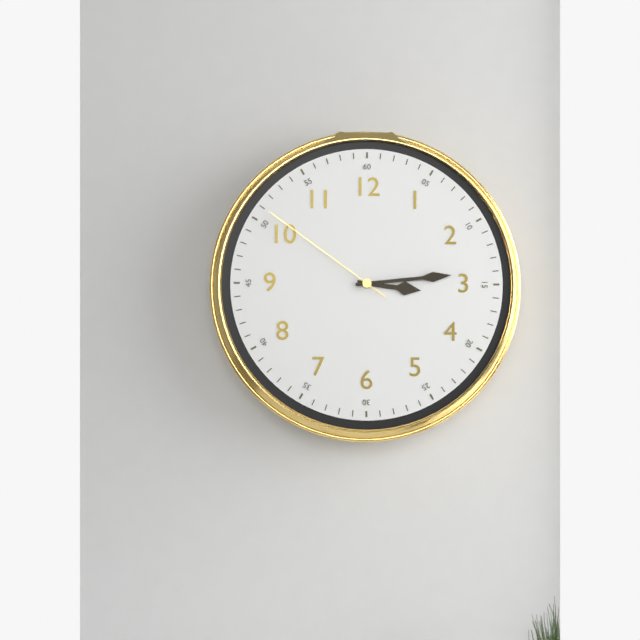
3h14m51s
